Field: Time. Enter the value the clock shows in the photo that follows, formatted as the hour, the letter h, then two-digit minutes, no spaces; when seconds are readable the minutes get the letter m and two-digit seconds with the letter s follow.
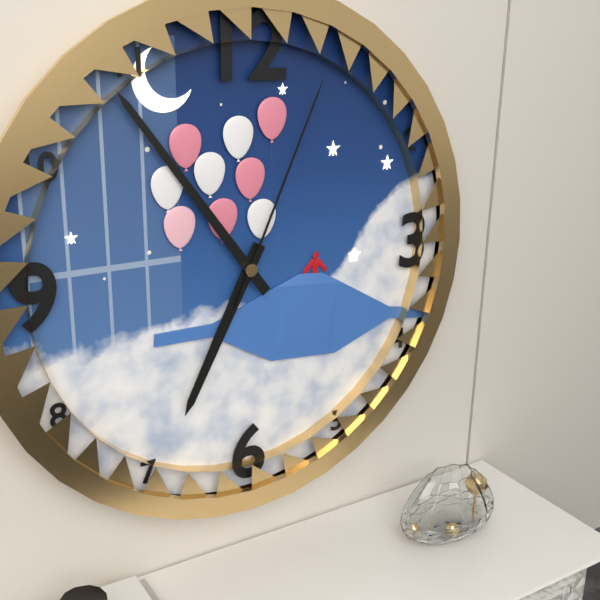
6h54m04s
